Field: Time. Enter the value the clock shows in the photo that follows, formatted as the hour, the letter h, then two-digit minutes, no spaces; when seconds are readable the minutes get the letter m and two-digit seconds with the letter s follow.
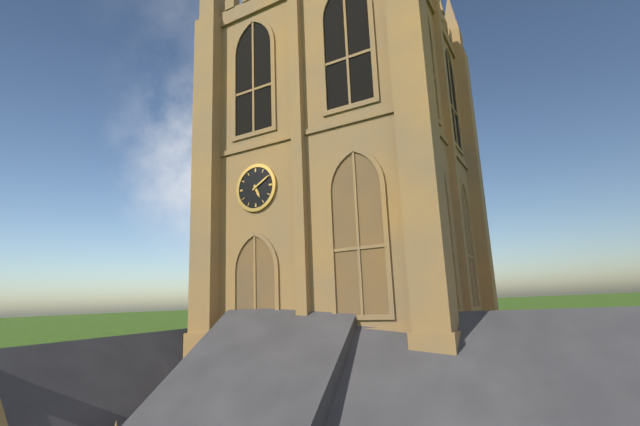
5h10
